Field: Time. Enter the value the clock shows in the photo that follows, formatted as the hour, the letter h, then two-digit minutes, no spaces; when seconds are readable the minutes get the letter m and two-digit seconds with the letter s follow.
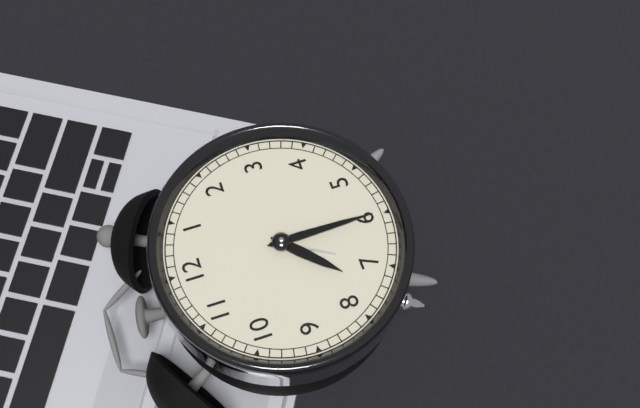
7h30
